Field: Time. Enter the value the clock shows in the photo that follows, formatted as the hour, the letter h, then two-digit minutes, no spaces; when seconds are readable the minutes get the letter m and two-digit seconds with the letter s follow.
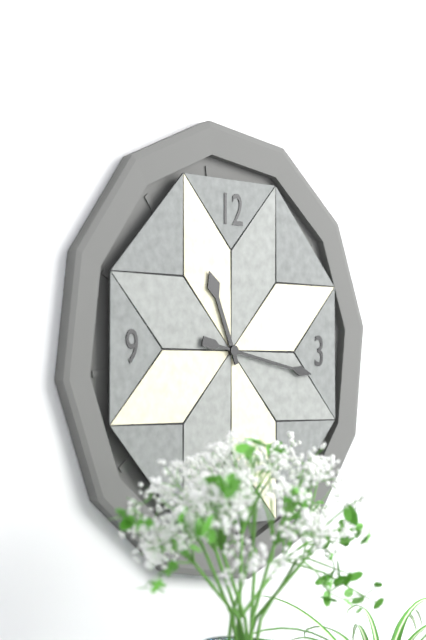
11h17
